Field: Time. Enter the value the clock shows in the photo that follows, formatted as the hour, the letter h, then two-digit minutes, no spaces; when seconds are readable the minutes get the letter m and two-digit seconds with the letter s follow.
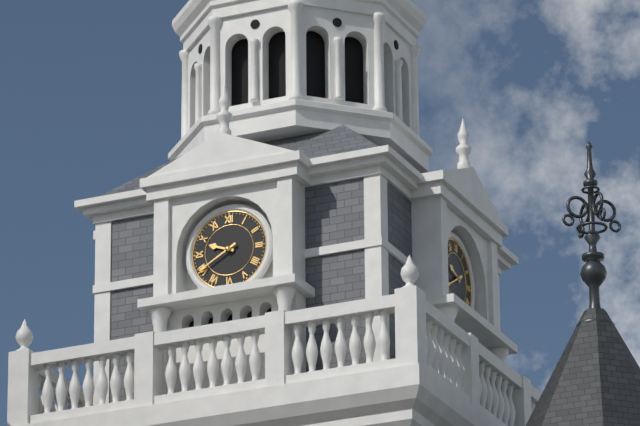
9h40
